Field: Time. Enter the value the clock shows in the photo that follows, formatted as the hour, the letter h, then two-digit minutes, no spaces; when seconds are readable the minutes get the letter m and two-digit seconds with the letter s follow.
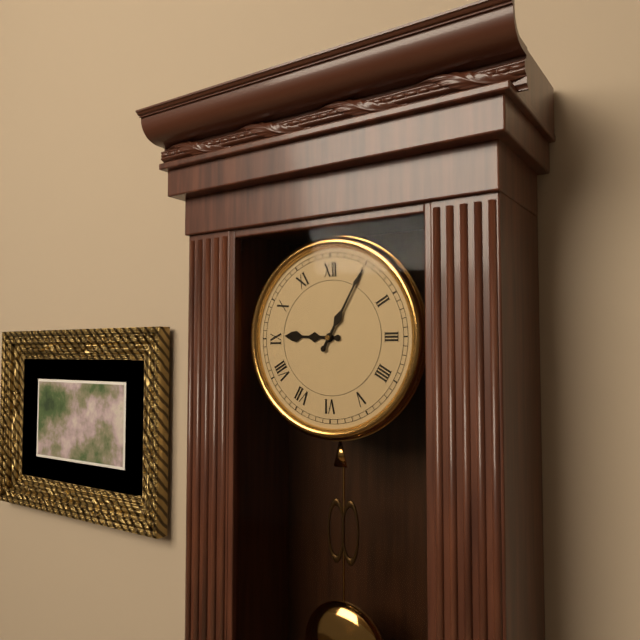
9h05
